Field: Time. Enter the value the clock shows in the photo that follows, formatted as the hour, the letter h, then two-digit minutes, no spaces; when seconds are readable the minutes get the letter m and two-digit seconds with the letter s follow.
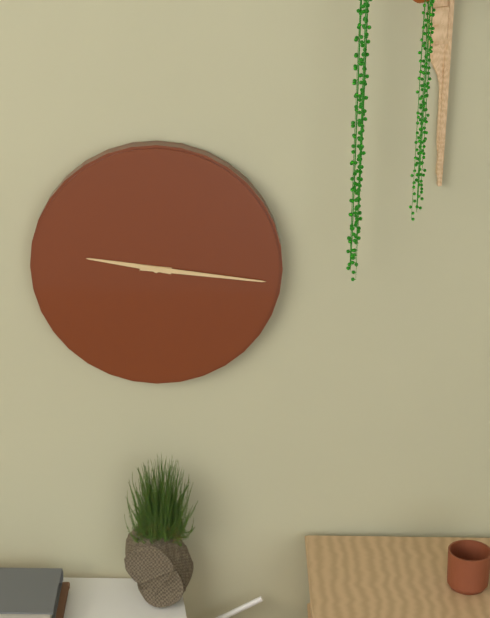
9h16
